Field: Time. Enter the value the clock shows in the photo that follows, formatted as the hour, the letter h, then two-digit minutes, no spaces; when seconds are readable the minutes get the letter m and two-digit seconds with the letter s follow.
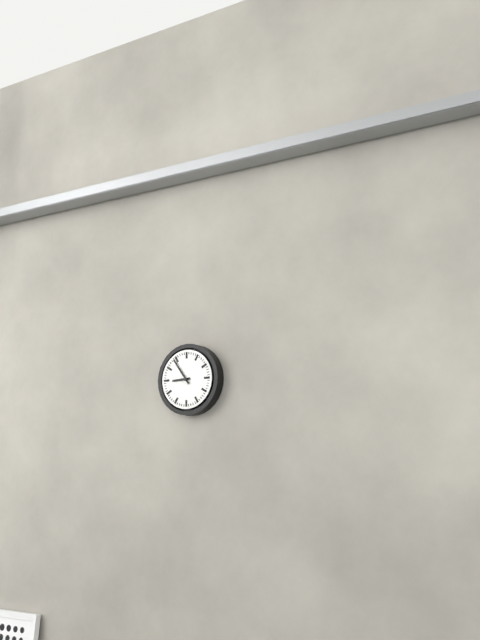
8h54
